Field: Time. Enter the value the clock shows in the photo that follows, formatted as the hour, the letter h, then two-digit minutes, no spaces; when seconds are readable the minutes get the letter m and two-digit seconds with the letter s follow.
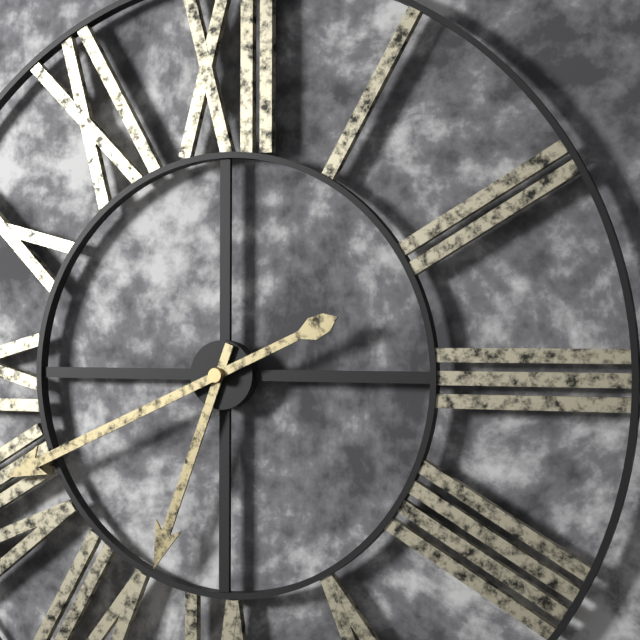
6h41
